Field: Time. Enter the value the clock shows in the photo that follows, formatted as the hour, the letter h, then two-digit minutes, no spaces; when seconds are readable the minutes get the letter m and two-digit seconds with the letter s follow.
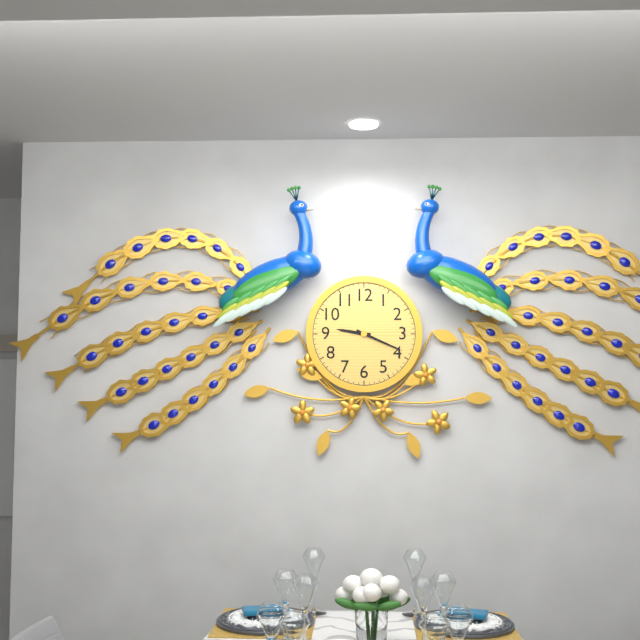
9h19
